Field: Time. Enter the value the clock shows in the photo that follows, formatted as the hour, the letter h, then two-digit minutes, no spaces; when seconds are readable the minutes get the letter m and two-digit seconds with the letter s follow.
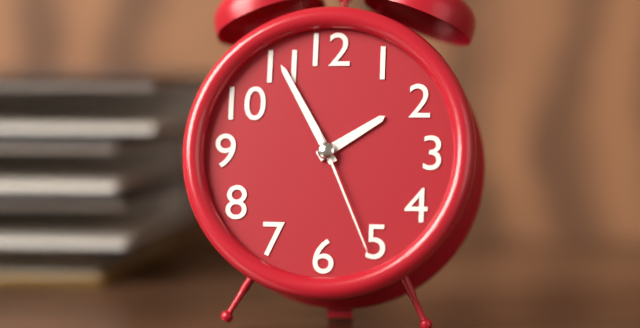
1h55m26s
